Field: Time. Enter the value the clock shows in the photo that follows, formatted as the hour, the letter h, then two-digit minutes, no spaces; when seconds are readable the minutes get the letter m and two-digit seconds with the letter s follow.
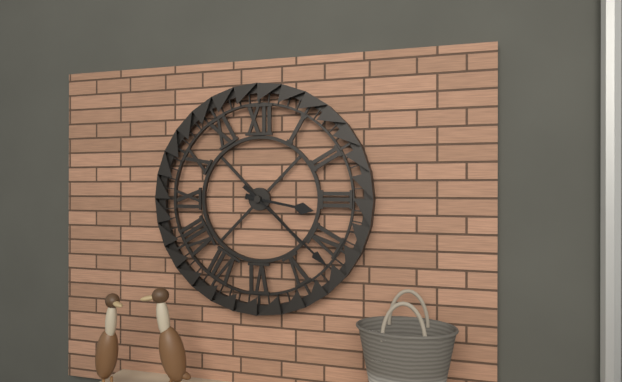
3h22
